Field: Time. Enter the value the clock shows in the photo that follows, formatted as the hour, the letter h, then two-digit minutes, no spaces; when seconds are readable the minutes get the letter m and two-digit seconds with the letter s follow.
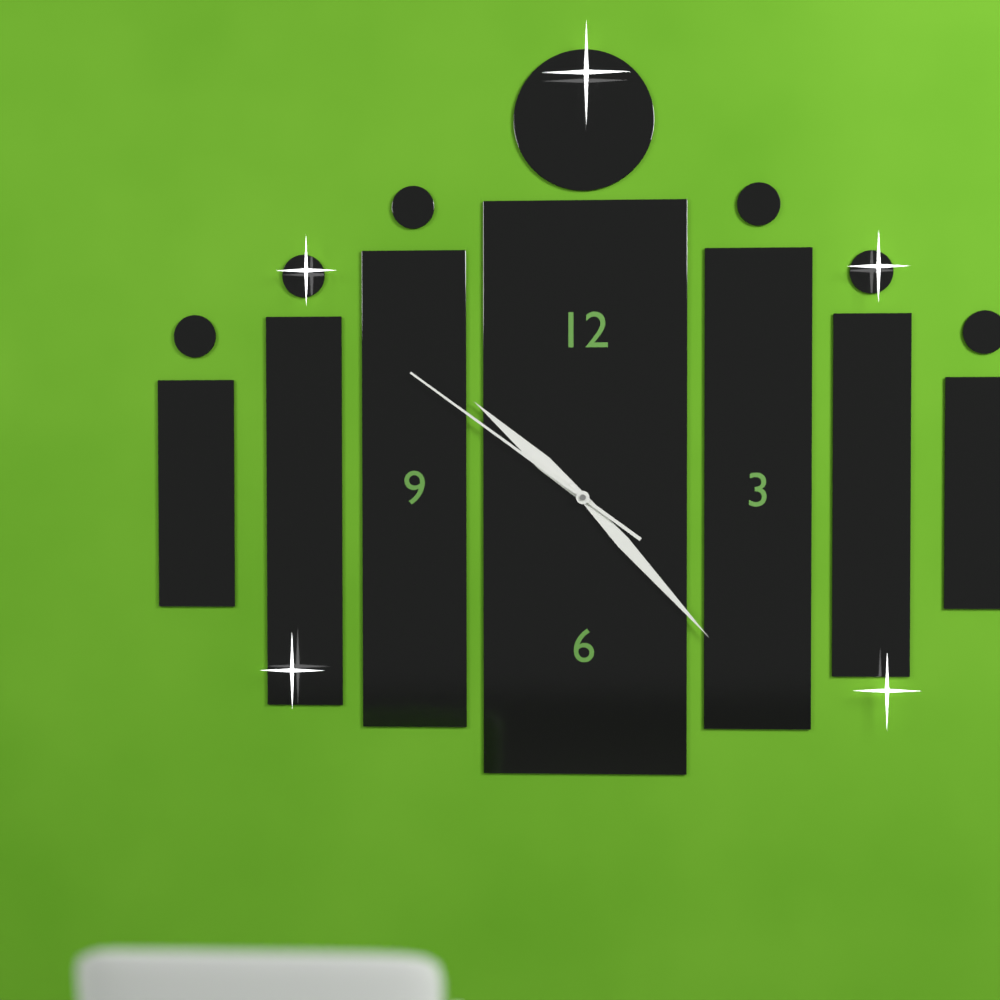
10h23m51s
